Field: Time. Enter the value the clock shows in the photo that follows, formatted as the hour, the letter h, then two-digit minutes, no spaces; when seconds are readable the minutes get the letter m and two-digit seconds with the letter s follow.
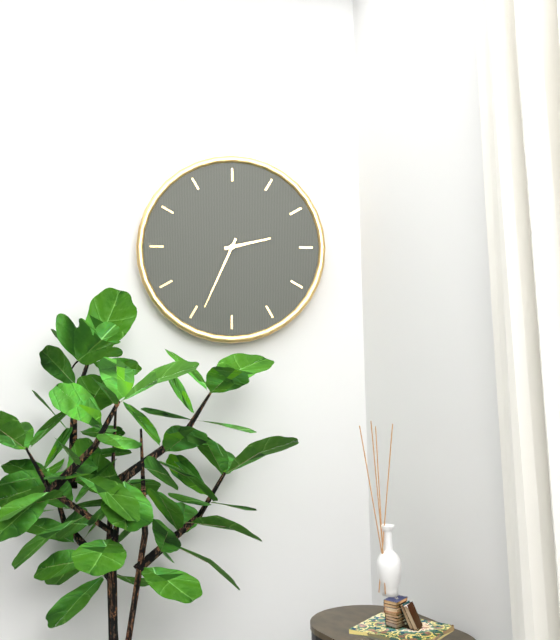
2h34
